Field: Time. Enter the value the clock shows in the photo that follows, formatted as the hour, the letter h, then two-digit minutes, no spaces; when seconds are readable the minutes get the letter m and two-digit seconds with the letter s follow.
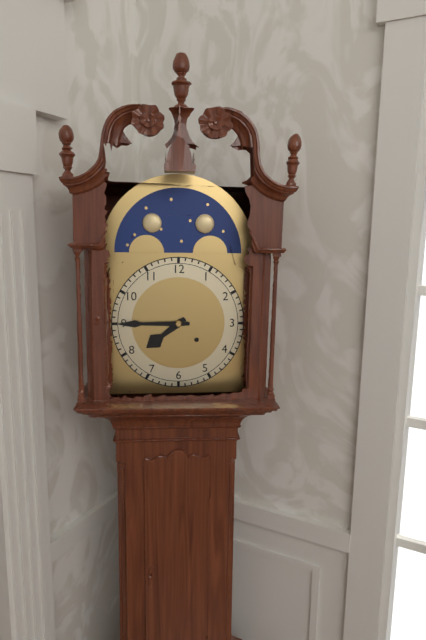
7h45
